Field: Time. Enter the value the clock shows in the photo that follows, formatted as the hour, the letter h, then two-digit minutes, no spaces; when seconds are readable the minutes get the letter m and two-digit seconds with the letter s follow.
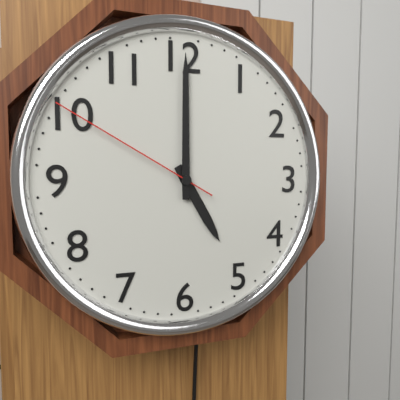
5h00m50s
